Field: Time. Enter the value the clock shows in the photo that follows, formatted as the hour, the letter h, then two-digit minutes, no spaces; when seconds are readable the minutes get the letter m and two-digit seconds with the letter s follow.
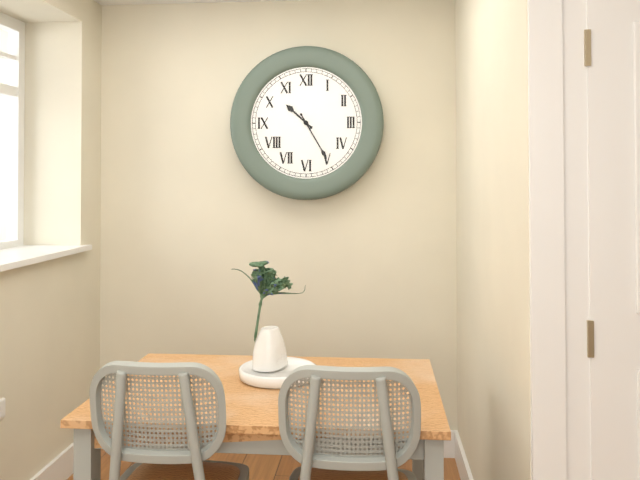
10h25
